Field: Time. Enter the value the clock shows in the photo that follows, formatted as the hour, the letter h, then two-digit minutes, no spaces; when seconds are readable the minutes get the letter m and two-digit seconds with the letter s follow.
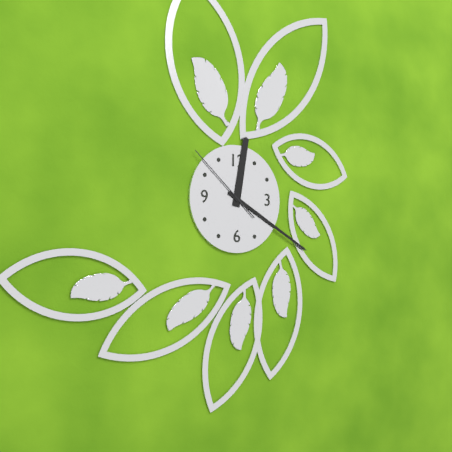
12h20m52s
